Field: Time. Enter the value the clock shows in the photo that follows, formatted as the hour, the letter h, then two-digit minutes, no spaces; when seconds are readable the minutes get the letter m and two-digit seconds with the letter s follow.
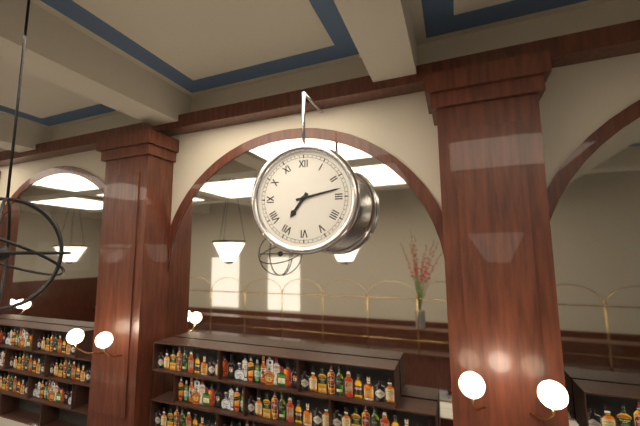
7h13
